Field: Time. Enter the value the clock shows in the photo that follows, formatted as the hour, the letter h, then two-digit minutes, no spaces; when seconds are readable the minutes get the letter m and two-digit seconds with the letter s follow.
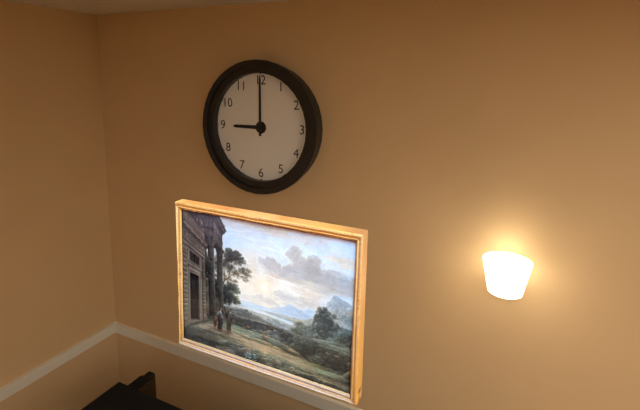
9h00
